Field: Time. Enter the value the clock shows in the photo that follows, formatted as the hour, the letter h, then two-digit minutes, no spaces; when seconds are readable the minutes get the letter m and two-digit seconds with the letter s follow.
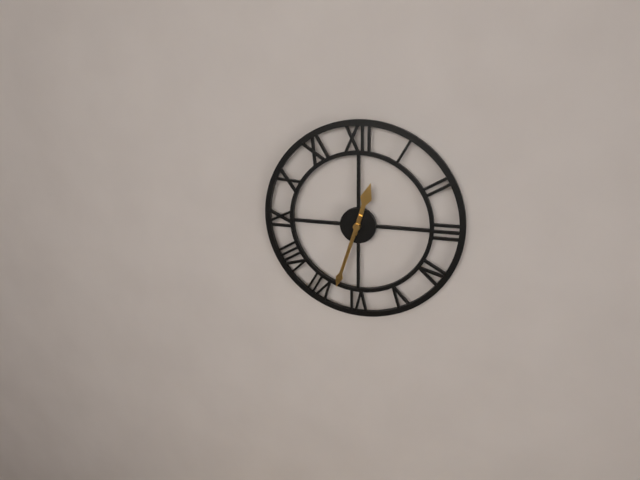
12h33
